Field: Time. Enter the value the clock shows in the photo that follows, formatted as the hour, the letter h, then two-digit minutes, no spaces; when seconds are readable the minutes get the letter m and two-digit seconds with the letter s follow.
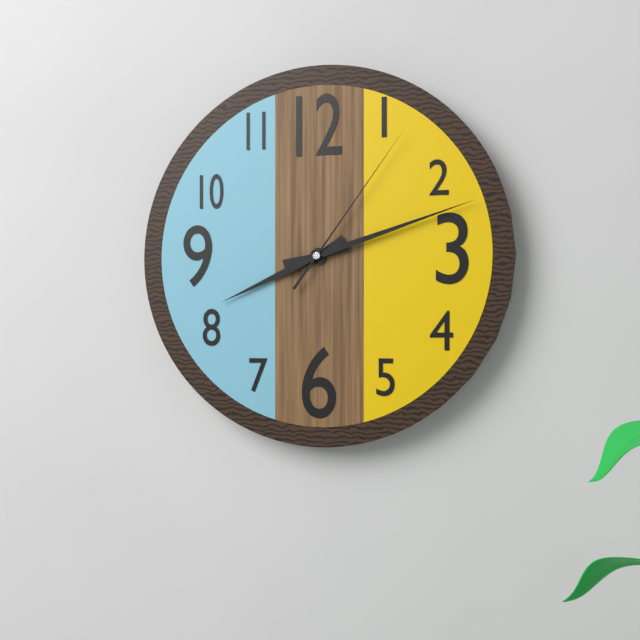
8h12m06s
